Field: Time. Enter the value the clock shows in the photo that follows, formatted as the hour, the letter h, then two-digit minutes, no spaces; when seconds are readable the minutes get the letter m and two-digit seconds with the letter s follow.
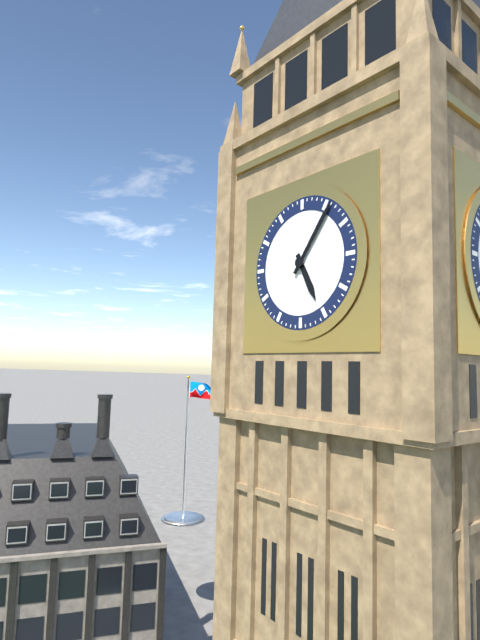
5h06
